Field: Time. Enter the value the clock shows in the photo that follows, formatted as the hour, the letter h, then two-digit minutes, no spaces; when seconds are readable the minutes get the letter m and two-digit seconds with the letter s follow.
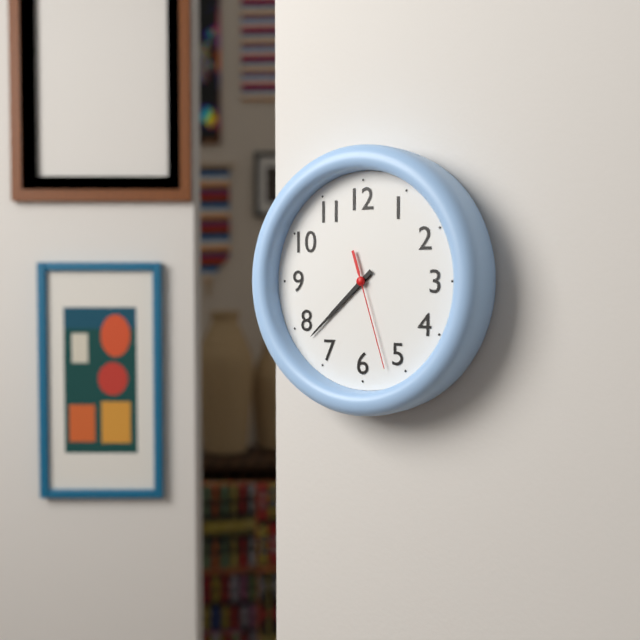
7h38m27s
